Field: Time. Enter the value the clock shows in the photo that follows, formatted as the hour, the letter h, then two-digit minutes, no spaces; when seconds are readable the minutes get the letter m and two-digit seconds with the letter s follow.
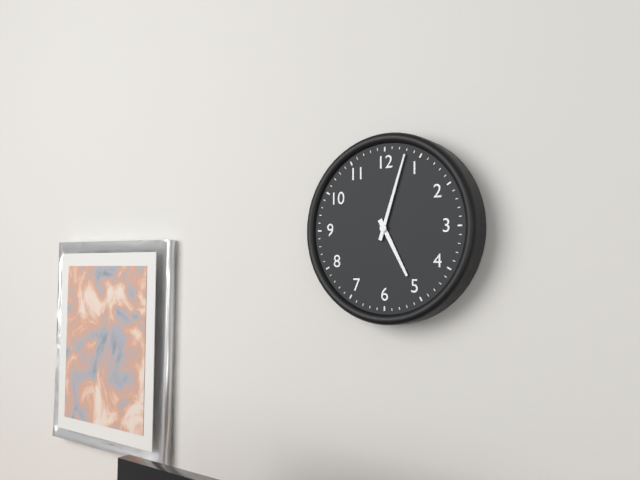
5h03
